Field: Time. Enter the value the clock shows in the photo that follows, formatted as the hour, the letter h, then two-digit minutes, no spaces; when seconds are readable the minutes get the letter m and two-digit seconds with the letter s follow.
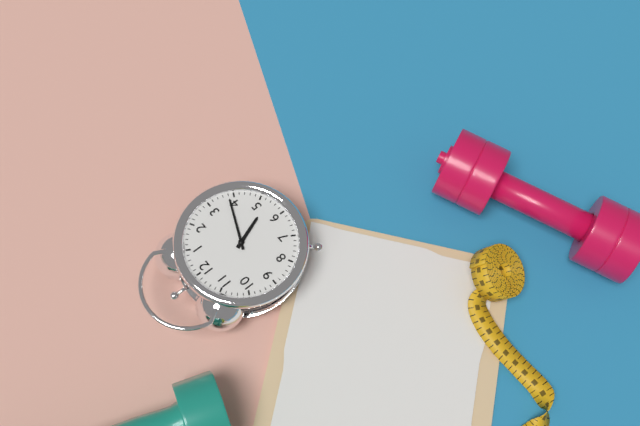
5h19
